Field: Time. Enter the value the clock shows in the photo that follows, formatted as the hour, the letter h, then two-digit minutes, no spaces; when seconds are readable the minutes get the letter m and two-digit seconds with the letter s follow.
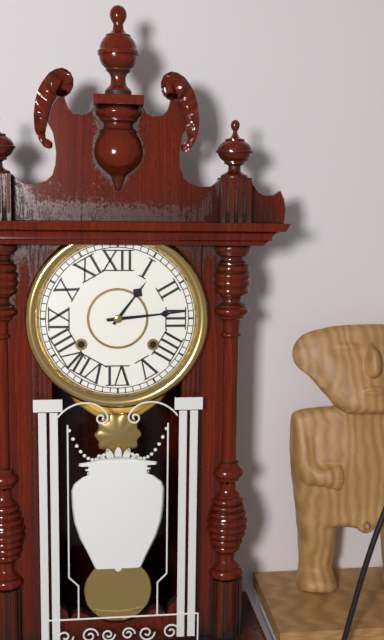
1h14
